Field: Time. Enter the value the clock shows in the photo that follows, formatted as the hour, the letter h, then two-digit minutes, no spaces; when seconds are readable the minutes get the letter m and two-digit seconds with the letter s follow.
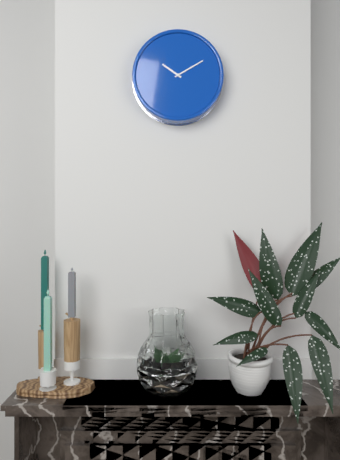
10h10
